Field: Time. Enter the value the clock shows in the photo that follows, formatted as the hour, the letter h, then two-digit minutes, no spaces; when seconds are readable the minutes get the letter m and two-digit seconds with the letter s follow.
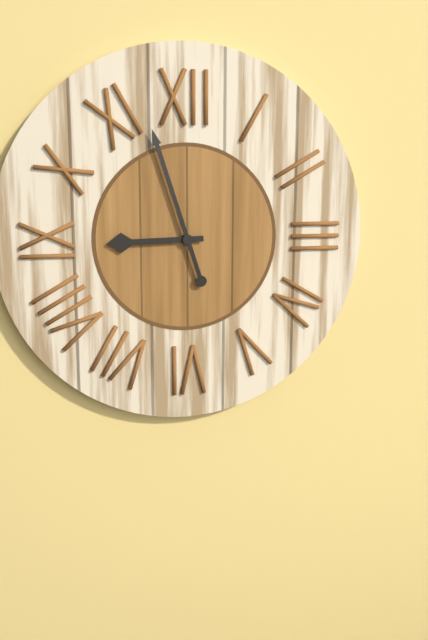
8h57
